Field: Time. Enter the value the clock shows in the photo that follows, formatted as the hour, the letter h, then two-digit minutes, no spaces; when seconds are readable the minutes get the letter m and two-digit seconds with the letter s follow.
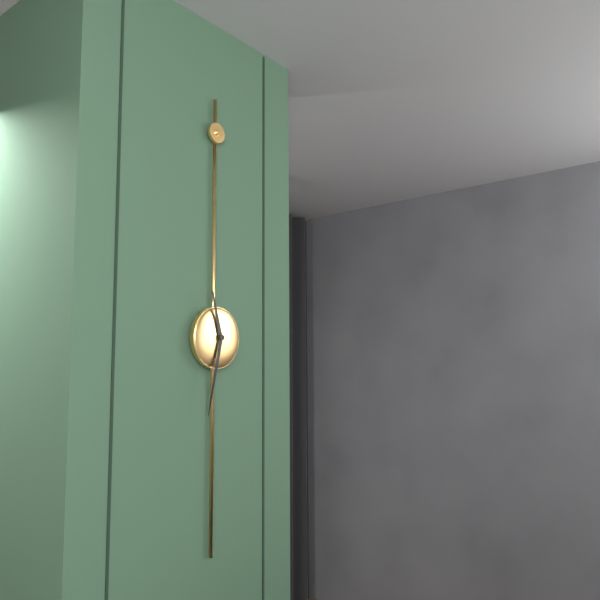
11h32
